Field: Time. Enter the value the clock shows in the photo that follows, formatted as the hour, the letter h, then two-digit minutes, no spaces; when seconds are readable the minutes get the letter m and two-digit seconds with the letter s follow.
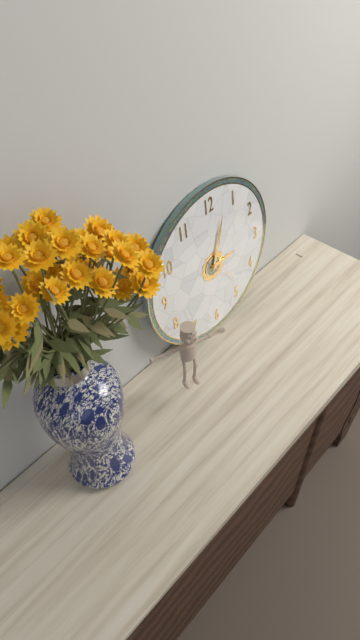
3h03
